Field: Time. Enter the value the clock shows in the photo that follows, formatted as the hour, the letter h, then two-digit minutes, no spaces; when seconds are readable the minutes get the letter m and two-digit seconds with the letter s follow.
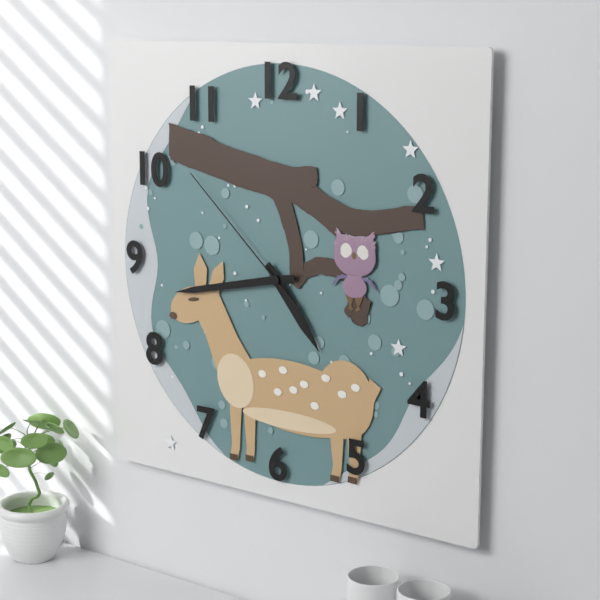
4h43m52s
